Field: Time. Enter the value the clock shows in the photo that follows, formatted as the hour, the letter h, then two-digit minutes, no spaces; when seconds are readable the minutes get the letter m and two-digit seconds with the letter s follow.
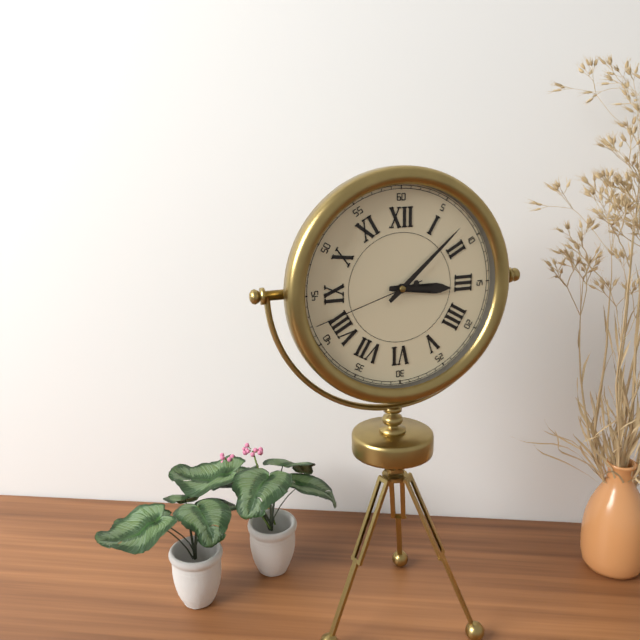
3h08m42s
